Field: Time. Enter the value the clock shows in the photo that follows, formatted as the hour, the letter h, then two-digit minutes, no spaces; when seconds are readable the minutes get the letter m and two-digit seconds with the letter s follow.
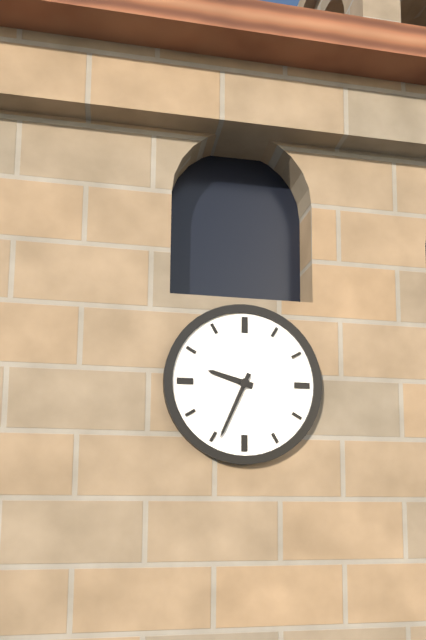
9h34
